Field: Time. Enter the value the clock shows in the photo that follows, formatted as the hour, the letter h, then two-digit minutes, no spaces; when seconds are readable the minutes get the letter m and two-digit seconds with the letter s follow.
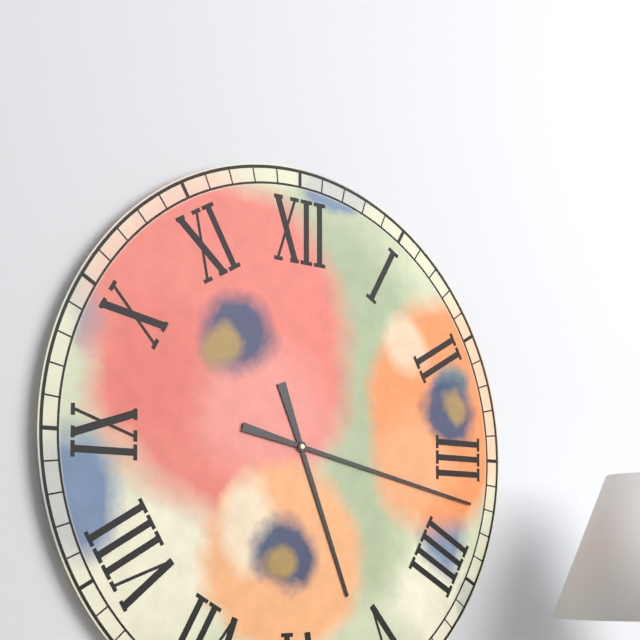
5h17
